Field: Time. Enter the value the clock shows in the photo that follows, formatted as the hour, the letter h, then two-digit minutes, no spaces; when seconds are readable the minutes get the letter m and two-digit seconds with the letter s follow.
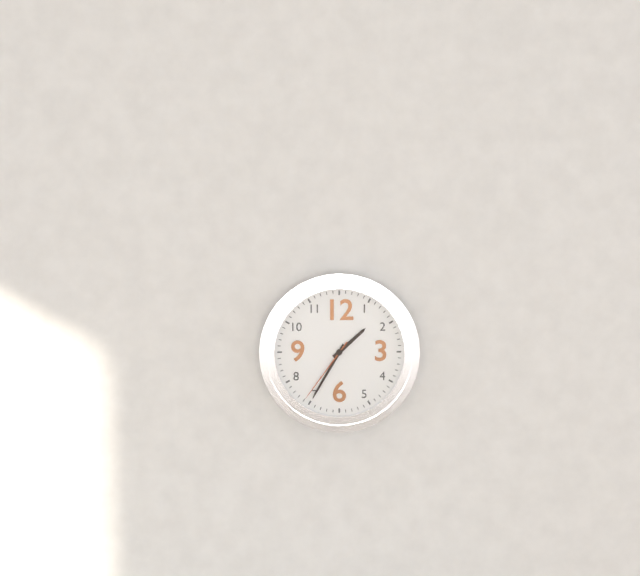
1h35m36s
